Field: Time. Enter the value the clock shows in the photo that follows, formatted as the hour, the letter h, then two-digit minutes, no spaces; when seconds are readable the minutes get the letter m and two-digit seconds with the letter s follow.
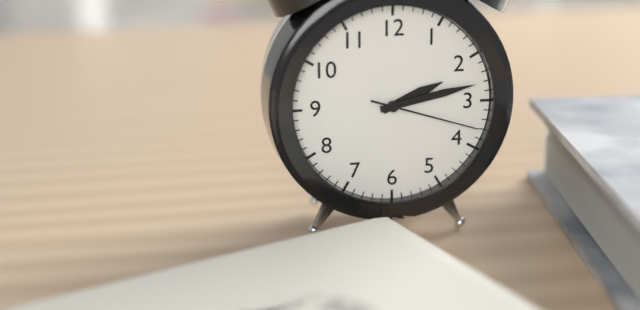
2h13m18s
